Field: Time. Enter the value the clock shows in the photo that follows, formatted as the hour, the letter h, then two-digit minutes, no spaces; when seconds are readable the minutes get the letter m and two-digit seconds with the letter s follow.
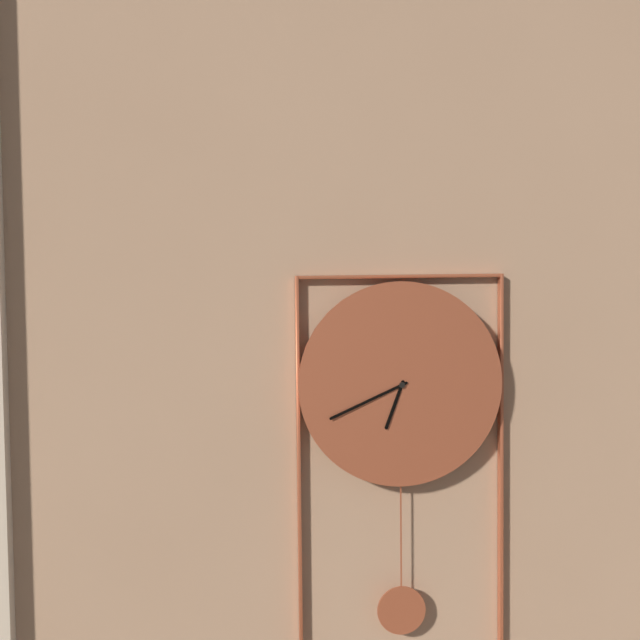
6h41
